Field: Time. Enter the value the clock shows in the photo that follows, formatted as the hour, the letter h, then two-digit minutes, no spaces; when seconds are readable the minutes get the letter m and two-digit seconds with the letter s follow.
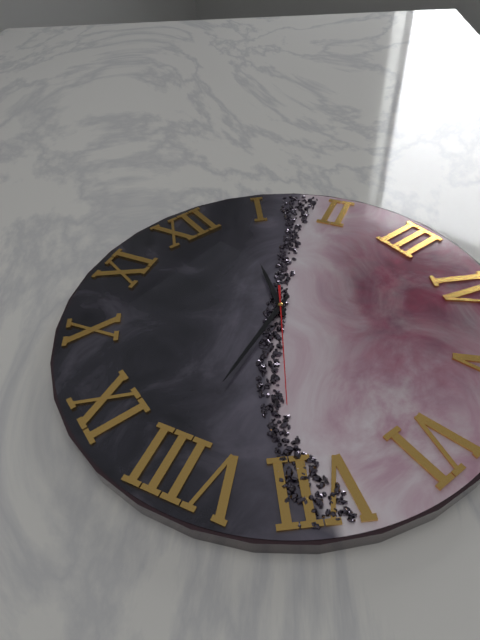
12h41m36s
